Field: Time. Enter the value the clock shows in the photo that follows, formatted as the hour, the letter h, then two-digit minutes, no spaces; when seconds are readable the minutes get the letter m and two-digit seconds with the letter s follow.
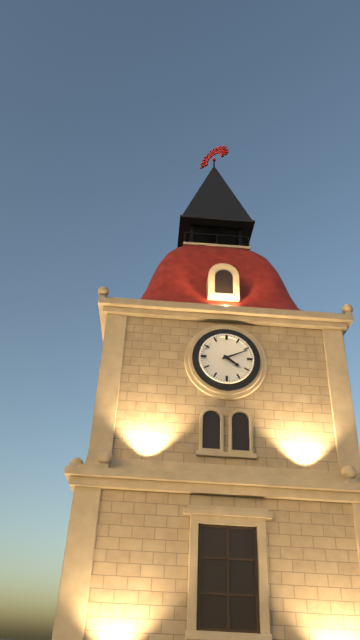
4h11
